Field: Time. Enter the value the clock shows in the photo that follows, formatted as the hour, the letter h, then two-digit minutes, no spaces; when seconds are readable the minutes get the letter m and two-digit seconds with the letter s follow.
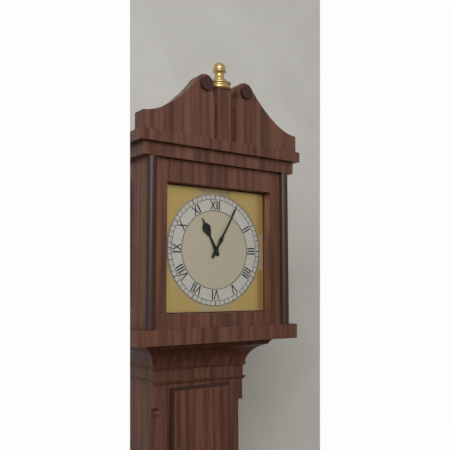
11h05
